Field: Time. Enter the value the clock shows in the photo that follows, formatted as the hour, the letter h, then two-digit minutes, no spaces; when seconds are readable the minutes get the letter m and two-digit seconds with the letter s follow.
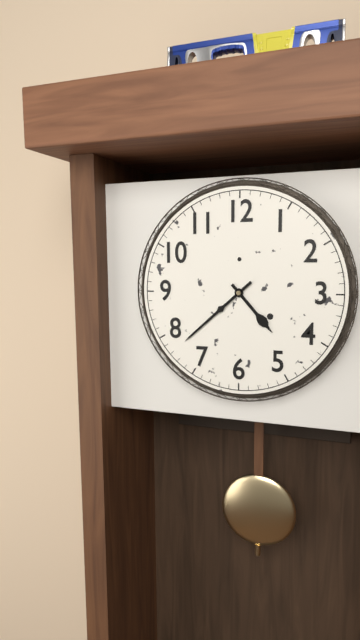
4h38
